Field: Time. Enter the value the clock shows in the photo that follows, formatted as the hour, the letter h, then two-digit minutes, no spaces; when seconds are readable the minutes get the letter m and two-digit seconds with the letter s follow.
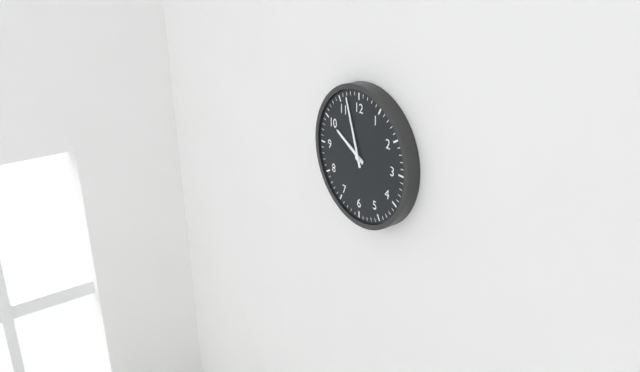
9h57
